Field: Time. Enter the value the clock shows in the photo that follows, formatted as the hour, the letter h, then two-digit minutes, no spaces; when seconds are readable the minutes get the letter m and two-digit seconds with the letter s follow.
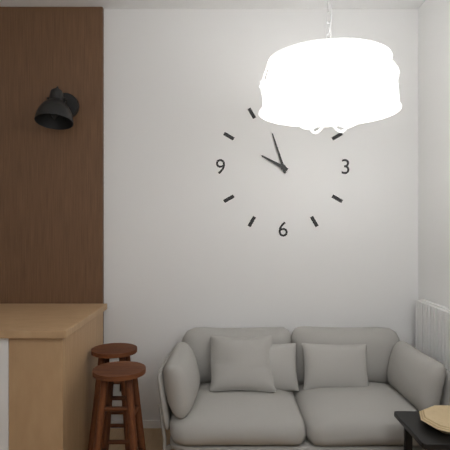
9h57
